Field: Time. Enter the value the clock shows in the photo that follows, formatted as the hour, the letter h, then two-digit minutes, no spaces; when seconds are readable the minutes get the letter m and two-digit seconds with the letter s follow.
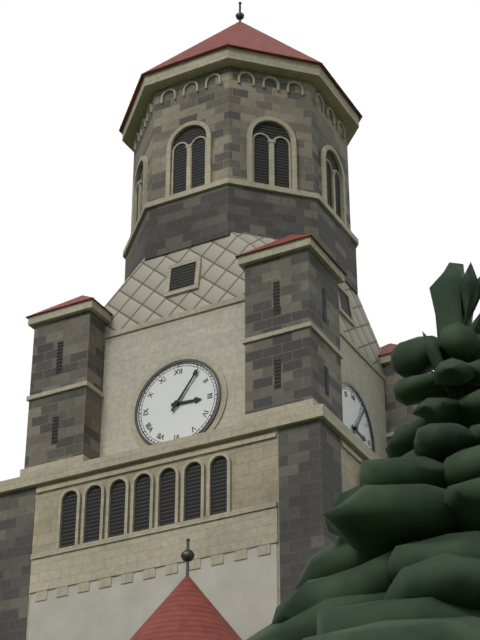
3h06
